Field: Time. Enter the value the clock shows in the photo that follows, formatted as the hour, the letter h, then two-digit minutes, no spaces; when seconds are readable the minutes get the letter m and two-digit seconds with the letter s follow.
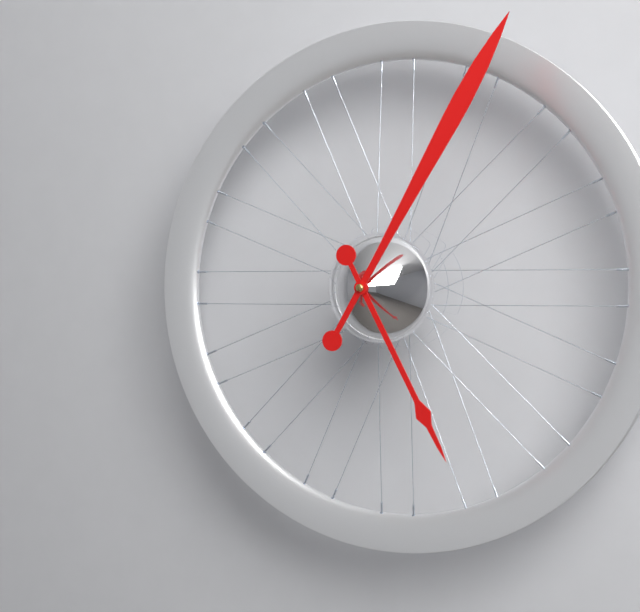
5h05
